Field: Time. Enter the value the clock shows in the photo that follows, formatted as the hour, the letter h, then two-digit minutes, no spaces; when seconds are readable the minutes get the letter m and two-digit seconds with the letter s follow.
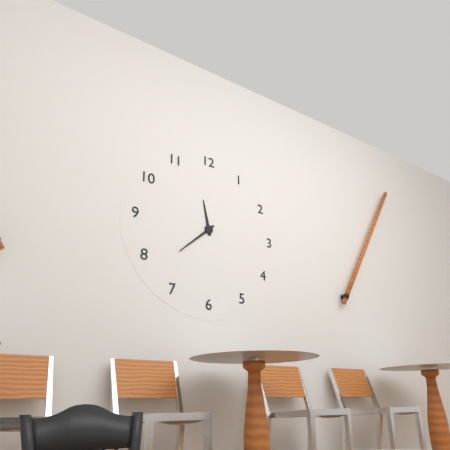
11h38
